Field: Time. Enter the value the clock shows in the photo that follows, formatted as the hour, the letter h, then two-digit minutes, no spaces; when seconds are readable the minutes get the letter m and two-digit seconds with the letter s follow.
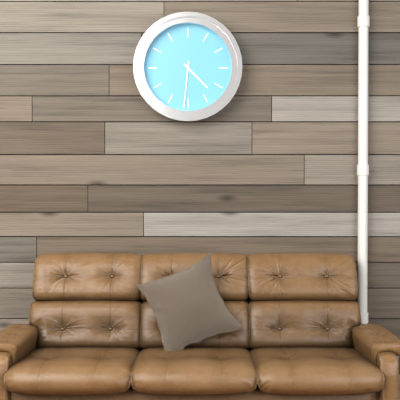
4h31
